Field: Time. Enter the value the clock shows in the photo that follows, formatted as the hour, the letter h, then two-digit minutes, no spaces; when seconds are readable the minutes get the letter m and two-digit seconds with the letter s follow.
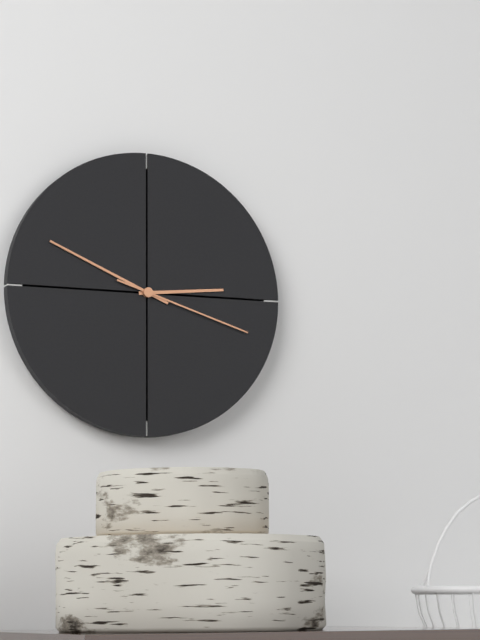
2h49m18s
